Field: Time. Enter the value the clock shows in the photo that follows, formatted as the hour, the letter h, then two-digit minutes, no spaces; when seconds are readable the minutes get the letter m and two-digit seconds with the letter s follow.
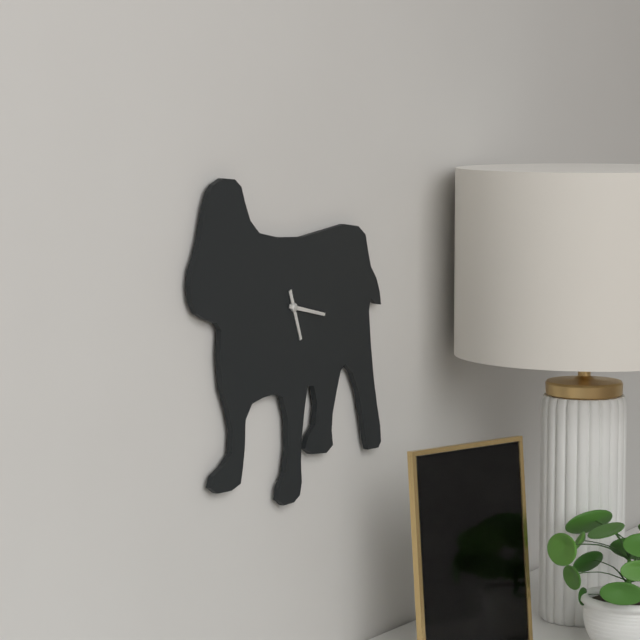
5h17
